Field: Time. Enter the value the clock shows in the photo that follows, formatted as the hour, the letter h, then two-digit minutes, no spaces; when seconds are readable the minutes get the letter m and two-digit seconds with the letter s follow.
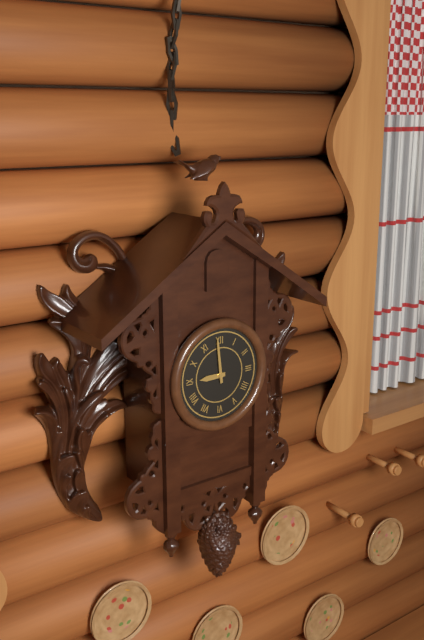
8h59
